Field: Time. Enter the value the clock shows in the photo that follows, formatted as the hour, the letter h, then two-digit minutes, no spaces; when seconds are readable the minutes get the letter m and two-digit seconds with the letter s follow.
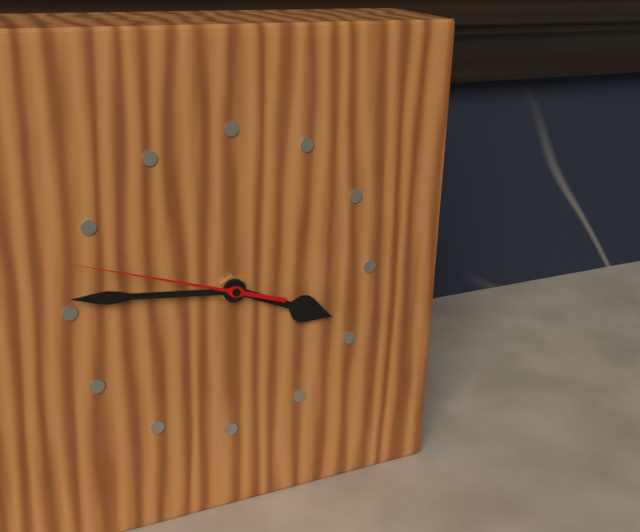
3h46m48s
